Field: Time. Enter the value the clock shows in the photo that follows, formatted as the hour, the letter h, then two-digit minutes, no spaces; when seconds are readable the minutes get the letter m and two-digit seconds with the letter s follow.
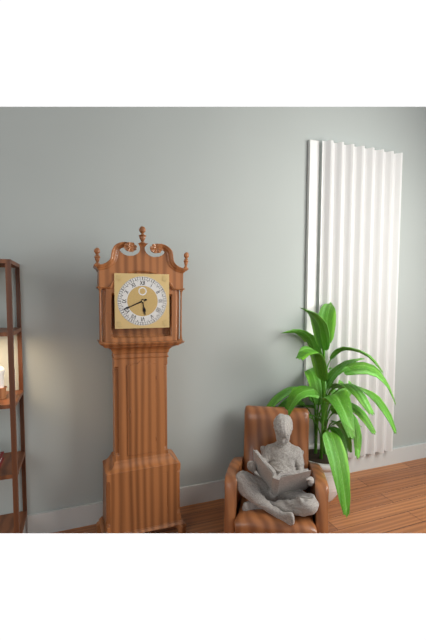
5h41
